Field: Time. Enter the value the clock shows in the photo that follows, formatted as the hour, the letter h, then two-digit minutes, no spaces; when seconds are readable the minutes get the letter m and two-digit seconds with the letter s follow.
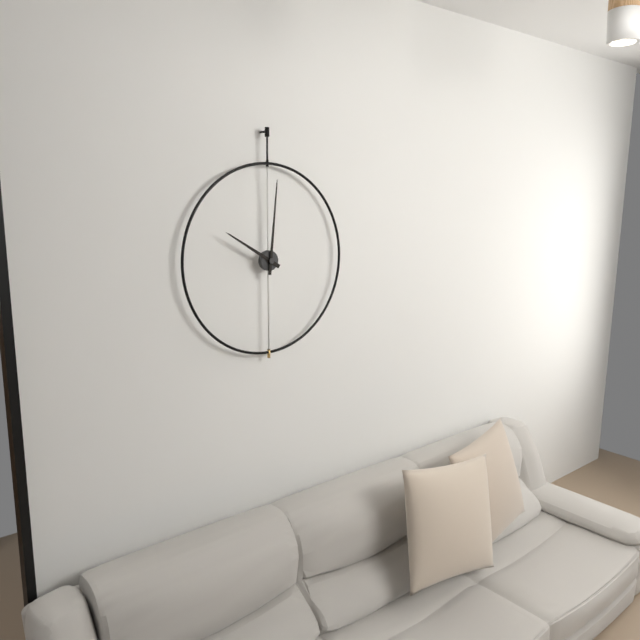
10h01
